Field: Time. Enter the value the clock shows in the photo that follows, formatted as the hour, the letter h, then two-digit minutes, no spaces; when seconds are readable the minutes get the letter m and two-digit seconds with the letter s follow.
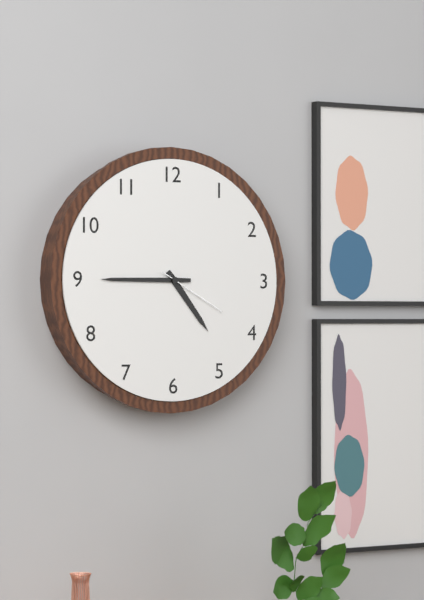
4h45m20s
